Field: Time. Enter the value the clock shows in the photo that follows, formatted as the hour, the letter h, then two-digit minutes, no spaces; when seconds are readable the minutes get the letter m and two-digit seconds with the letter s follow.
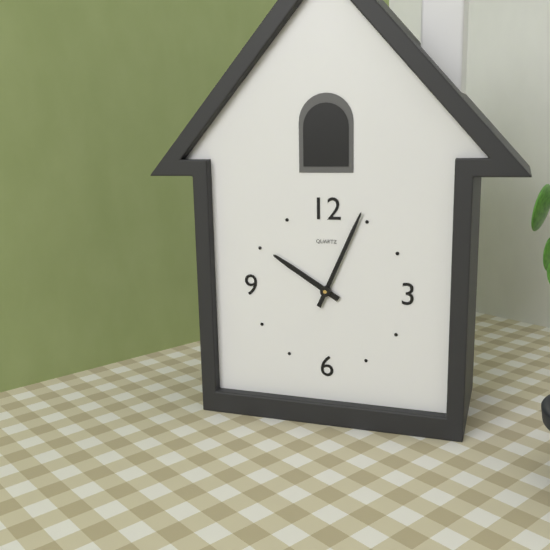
10h04
